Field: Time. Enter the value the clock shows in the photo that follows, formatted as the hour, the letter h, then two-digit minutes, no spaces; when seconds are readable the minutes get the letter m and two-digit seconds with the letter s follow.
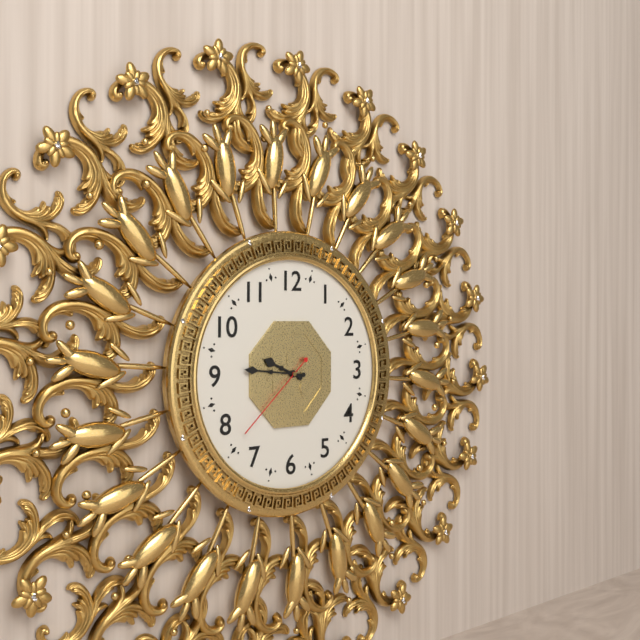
9h46m38s
